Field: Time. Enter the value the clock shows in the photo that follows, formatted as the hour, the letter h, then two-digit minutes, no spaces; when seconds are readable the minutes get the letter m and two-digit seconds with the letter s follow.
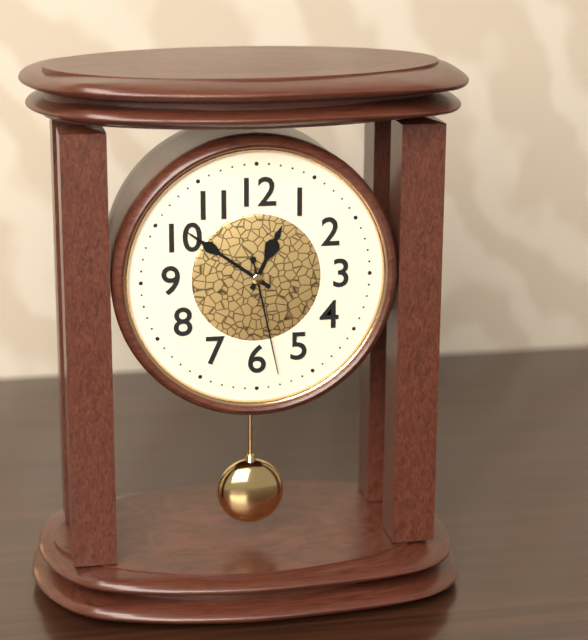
12h51m28s
